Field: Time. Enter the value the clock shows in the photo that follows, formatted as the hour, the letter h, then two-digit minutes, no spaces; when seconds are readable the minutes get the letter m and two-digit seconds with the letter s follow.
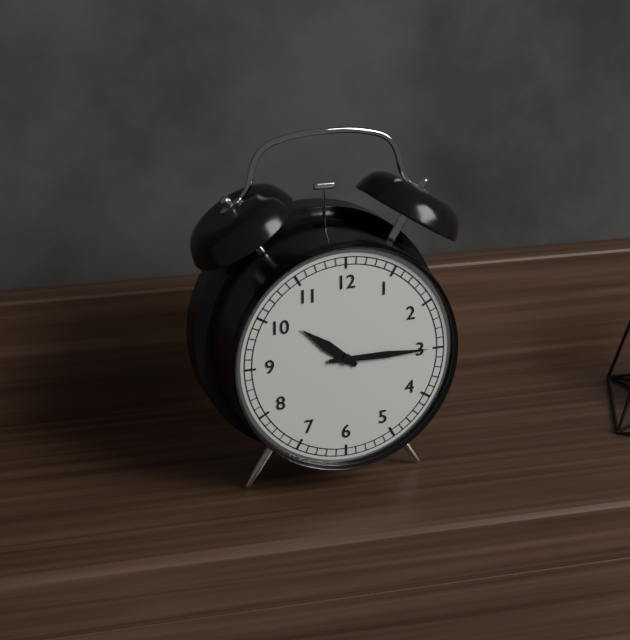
10h15
